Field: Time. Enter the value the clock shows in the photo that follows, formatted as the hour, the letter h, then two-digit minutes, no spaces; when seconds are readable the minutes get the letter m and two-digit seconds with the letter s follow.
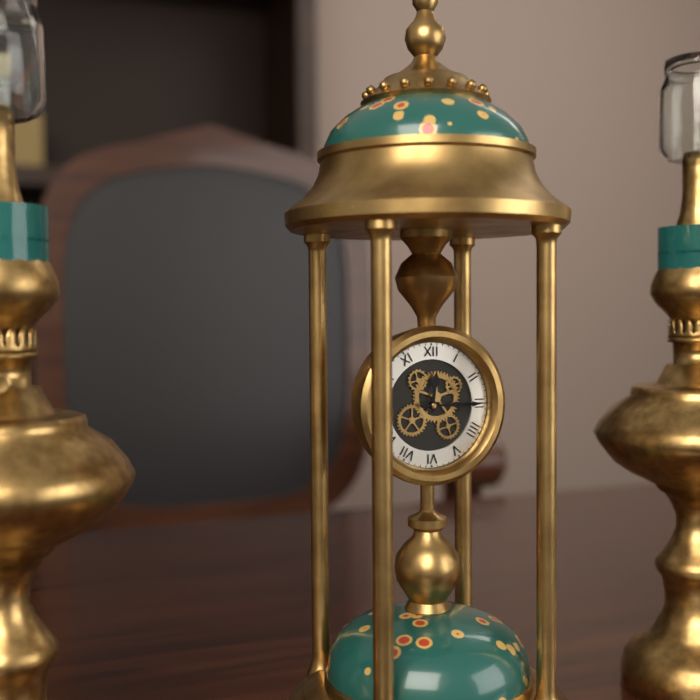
12h15
